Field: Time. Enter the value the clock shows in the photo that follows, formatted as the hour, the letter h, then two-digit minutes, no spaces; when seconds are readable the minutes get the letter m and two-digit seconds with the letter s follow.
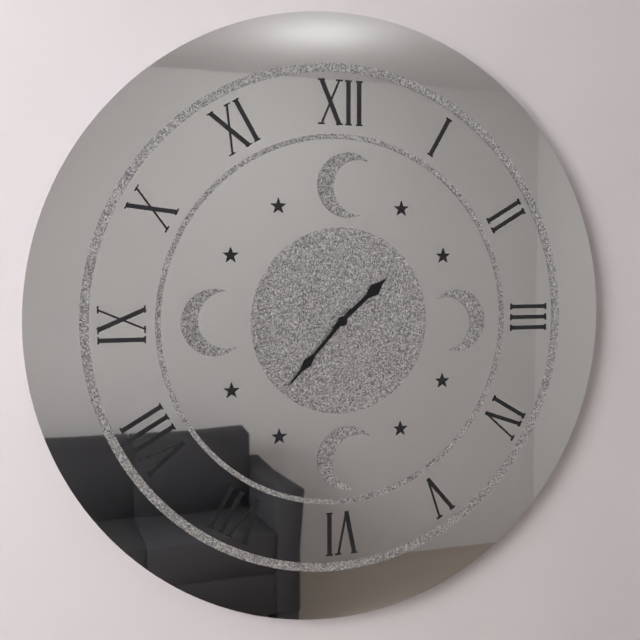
1h37
